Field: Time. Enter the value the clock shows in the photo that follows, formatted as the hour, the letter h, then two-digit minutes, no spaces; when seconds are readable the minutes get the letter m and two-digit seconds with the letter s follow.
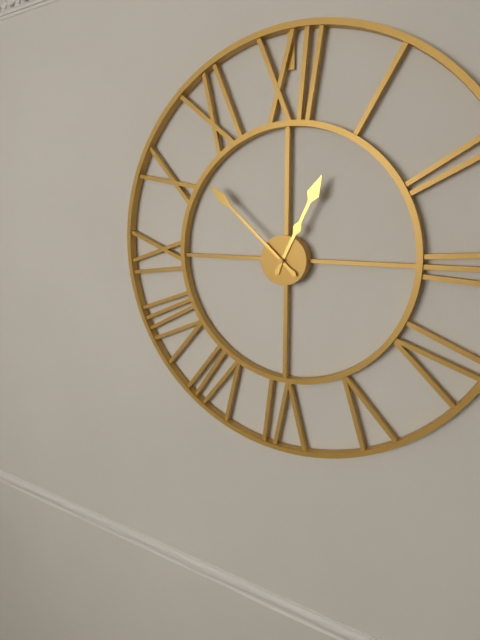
12h52
